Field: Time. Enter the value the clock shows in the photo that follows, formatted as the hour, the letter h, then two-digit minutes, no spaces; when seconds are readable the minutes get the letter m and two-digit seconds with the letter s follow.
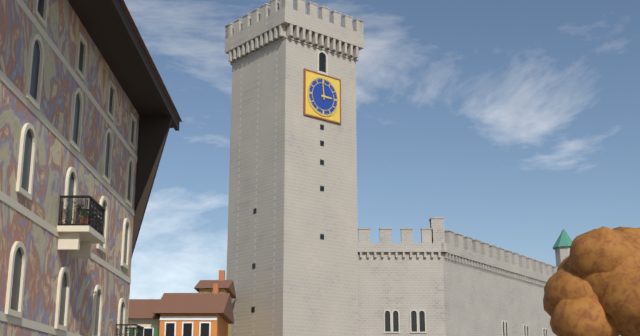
2h59
